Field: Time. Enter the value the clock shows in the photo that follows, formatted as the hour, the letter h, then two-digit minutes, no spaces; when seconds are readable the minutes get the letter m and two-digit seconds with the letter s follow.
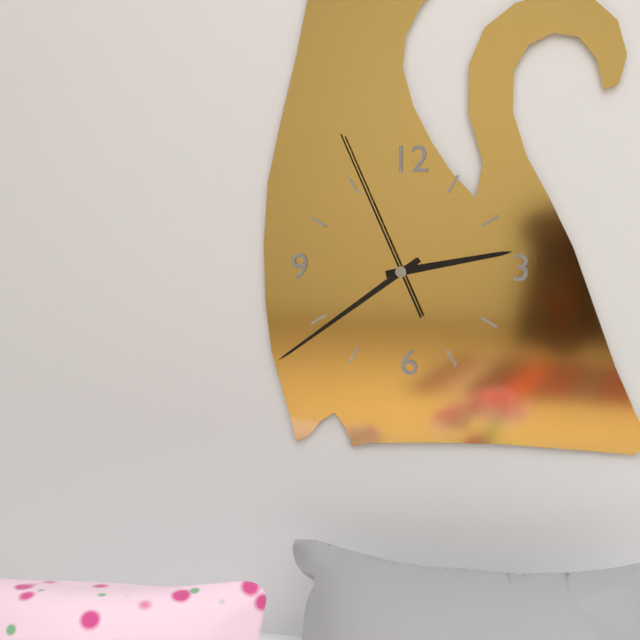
2h39m56s
